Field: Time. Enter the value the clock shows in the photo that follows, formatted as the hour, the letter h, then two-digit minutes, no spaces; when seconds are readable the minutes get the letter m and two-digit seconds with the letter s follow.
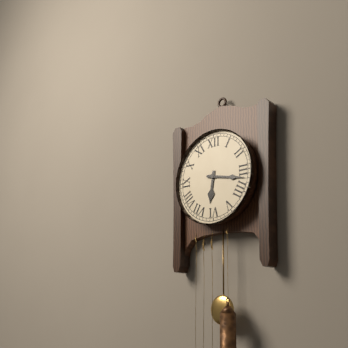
6h17
